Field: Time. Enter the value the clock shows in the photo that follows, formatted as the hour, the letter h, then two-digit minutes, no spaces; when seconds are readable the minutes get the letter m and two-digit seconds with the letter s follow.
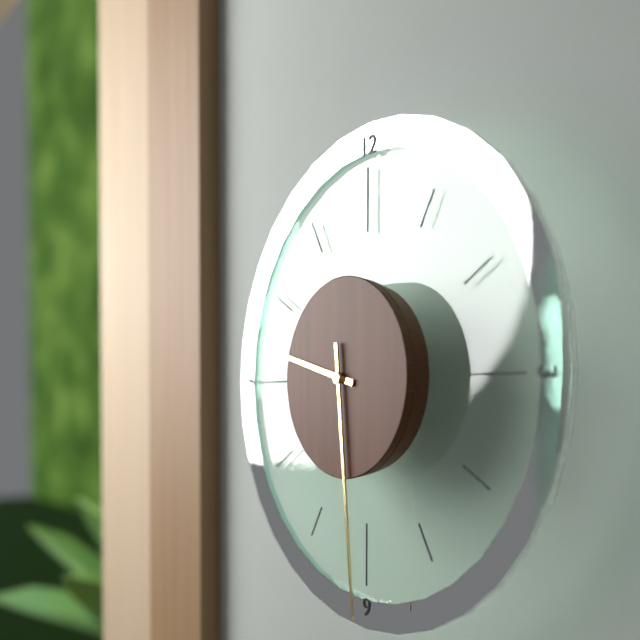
9h29
